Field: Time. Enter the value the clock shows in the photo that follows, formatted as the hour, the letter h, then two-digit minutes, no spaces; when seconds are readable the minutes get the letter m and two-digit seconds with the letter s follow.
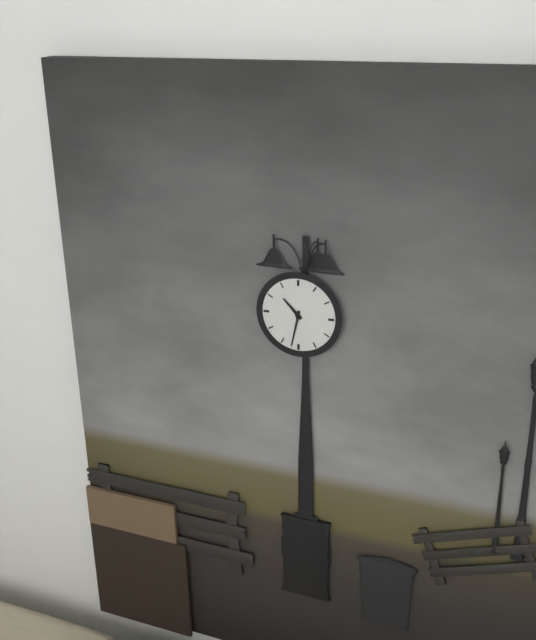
10h32
